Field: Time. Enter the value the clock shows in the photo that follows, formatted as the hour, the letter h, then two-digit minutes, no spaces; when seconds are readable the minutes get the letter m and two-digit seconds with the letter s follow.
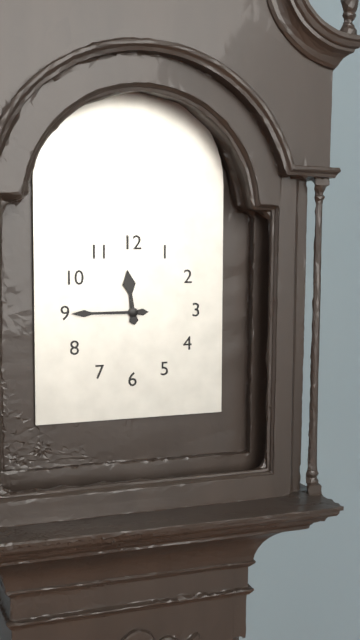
11h45
